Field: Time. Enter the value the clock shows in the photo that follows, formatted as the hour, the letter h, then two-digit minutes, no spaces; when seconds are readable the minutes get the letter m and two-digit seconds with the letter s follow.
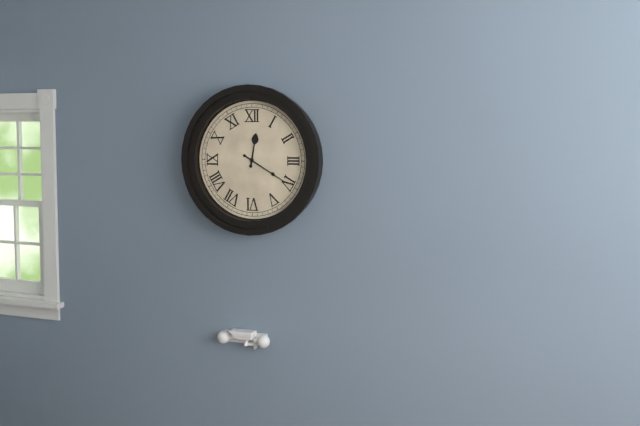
12h20
